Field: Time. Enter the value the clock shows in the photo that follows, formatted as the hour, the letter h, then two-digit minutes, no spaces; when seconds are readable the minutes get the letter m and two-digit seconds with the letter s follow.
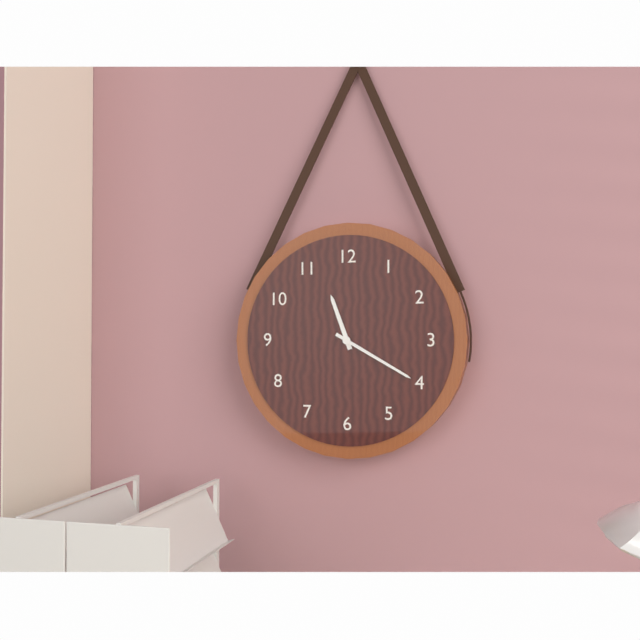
11h20
